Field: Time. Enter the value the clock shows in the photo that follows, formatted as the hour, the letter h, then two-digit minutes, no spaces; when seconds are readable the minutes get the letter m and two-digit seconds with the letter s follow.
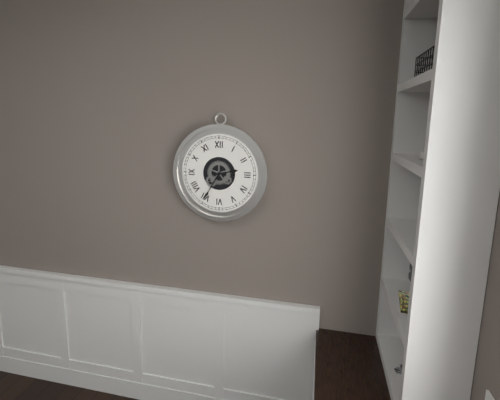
2h35
